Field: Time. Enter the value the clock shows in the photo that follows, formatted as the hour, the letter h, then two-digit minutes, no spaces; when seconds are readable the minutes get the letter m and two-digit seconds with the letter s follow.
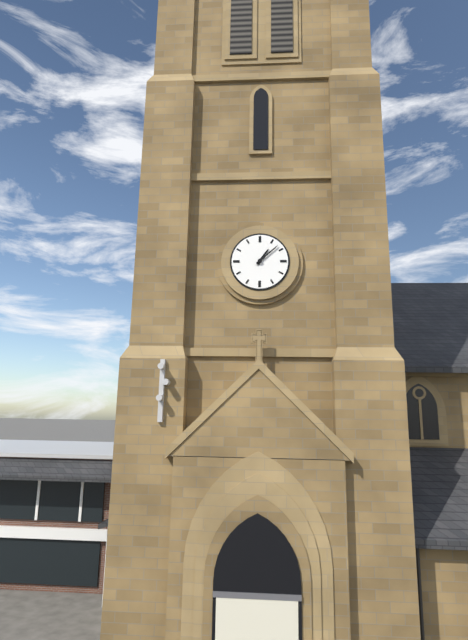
1h08
